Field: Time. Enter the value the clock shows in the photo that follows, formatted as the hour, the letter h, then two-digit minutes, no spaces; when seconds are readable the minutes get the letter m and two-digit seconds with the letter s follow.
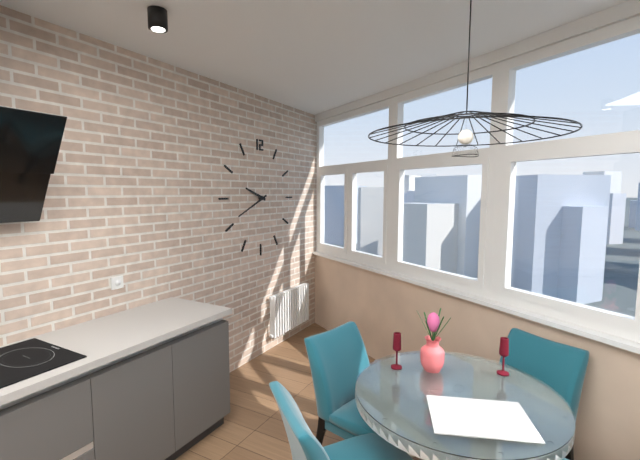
9h41
